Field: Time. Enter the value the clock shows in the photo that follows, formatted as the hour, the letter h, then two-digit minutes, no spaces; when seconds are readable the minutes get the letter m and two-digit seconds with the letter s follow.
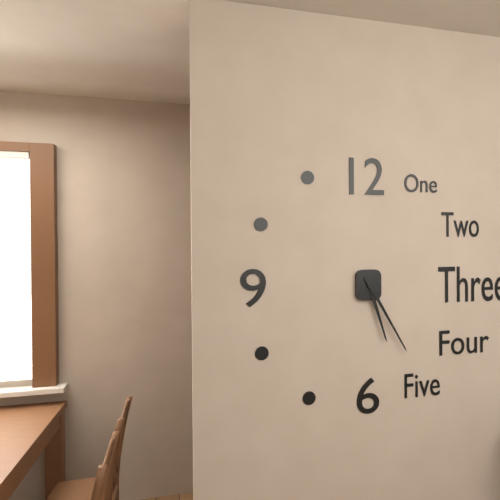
5h25
